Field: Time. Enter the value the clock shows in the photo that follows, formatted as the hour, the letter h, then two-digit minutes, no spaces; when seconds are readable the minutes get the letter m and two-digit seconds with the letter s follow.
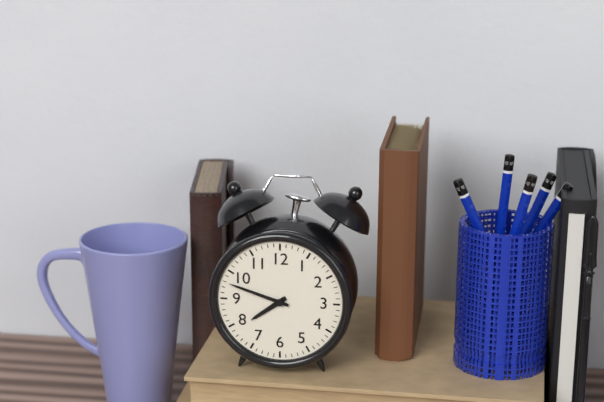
7h48
